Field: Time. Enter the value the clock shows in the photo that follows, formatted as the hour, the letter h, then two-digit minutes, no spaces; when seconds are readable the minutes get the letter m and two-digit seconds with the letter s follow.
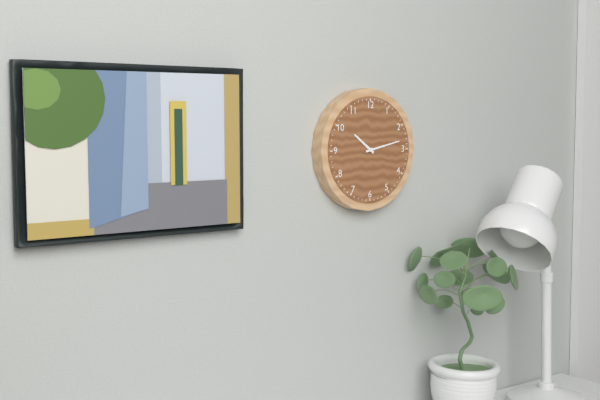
10h13
